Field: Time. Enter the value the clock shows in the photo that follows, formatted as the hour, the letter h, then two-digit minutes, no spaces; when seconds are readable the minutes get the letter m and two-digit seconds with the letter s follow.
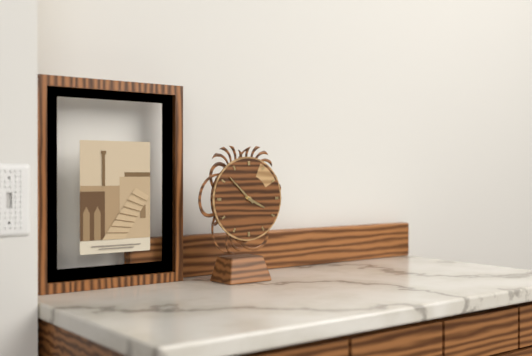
3h52
